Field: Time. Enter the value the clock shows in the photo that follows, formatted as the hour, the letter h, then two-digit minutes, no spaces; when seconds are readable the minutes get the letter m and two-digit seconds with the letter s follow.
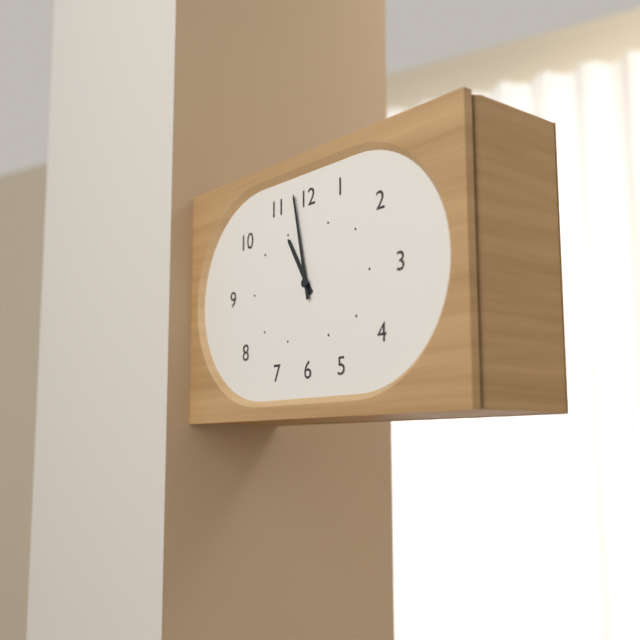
10h58
